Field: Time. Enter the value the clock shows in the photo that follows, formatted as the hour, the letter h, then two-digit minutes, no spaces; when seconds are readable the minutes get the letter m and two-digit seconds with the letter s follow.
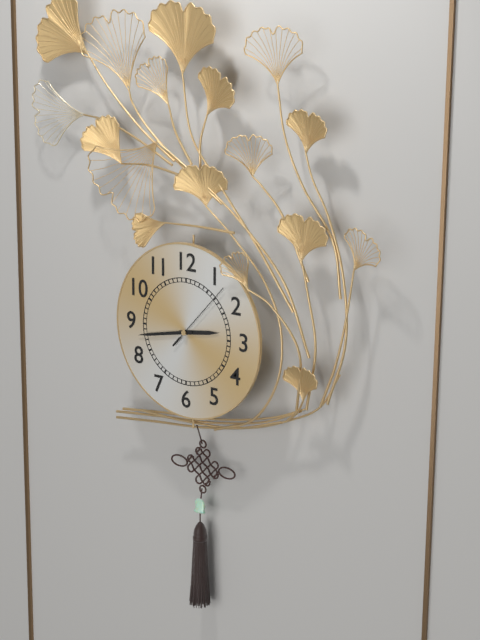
2h43m07s
